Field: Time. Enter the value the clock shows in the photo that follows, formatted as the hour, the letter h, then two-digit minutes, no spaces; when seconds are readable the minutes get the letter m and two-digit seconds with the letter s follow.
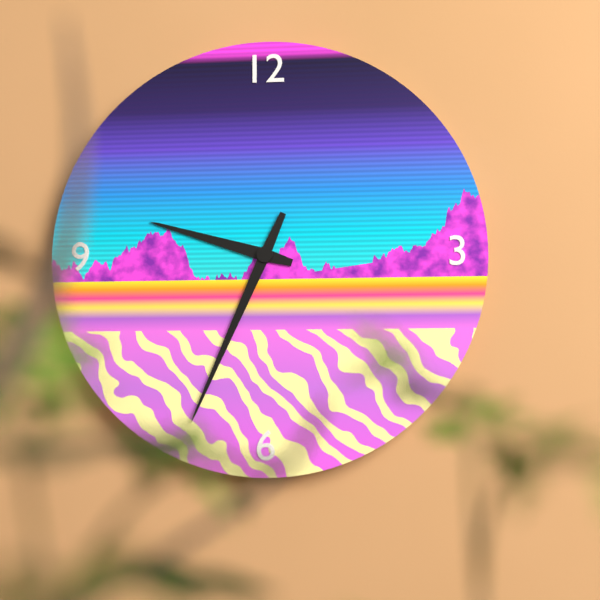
9h34
